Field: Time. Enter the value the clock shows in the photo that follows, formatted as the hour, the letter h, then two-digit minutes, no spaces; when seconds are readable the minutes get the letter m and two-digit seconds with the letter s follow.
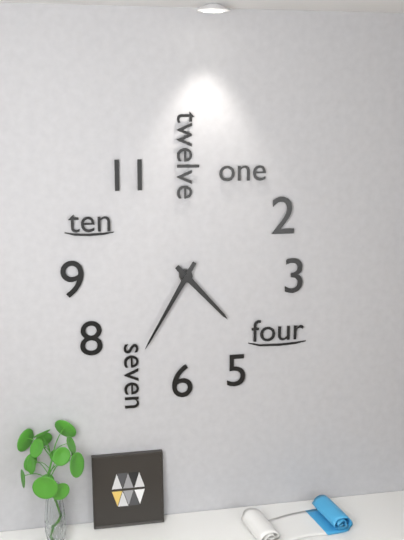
4h35
